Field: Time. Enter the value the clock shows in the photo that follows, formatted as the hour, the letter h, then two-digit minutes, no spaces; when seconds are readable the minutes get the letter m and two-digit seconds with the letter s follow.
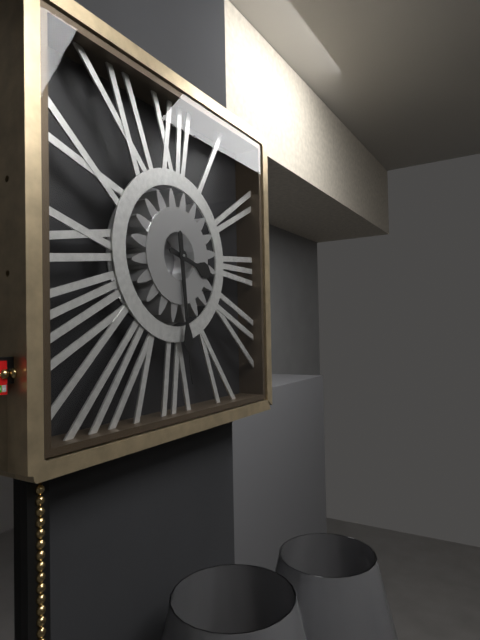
3h29
